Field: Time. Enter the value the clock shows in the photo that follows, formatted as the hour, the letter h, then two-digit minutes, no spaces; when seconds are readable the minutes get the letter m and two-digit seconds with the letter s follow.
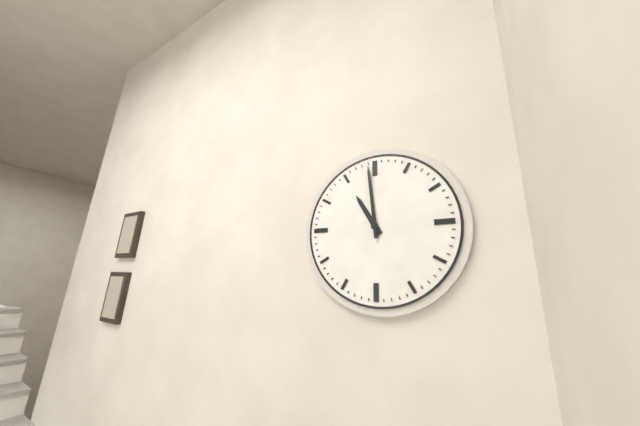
10h59
